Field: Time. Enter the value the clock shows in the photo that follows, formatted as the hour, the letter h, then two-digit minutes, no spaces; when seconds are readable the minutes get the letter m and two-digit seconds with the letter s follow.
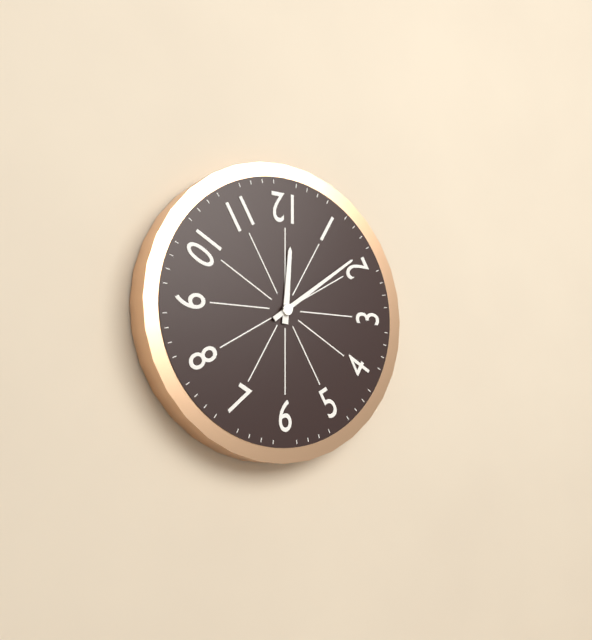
12h09
